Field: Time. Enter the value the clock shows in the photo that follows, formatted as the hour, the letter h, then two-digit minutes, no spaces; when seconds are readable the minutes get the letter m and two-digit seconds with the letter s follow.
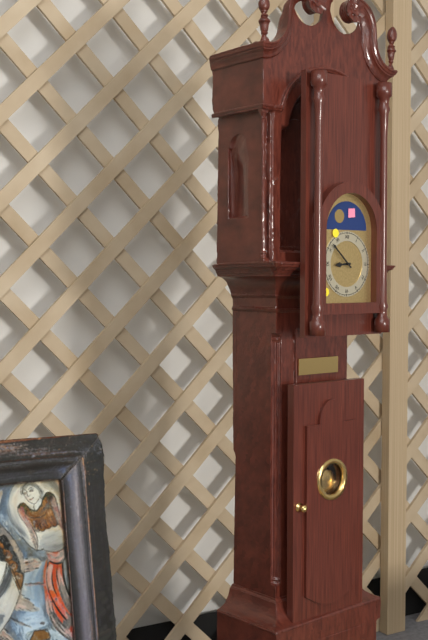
8h52
